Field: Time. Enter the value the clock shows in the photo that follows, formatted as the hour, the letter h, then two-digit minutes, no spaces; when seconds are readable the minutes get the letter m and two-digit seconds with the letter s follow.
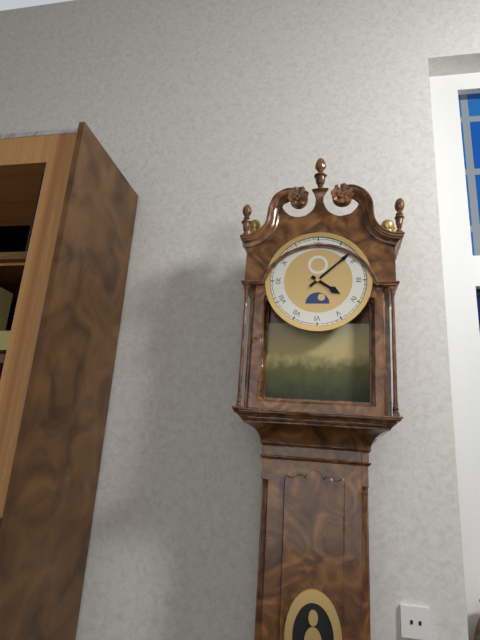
4h08
